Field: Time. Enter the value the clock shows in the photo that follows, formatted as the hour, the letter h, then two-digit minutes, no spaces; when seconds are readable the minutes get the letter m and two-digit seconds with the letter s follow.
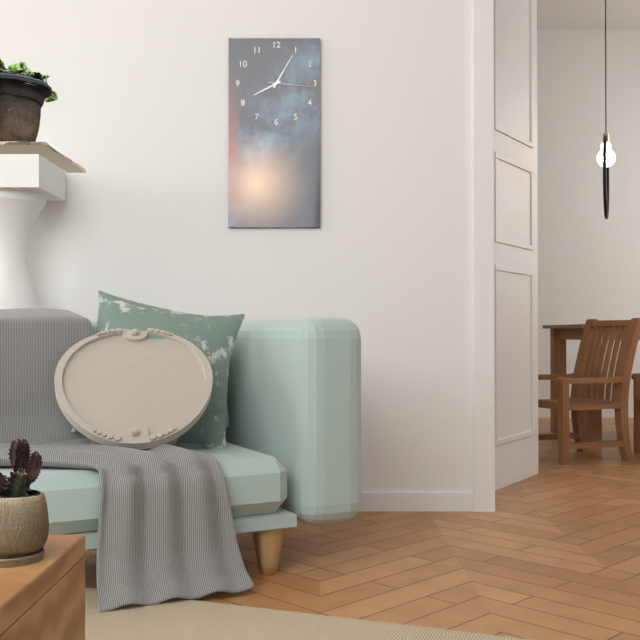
8h05
